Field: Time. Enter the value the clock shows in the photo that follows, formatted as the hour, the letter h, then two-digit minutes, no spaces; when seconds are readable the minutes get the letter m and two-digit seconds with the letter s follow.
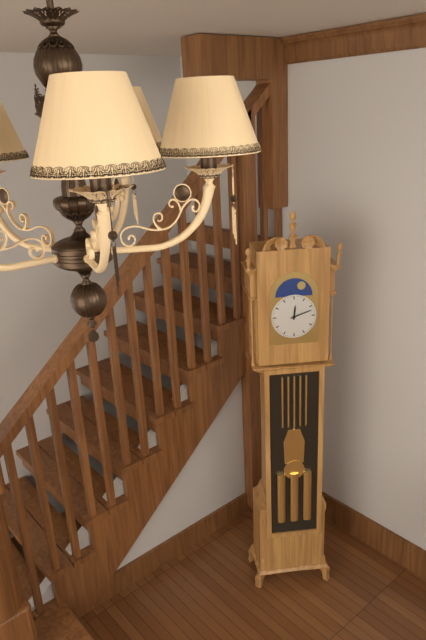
12h12
